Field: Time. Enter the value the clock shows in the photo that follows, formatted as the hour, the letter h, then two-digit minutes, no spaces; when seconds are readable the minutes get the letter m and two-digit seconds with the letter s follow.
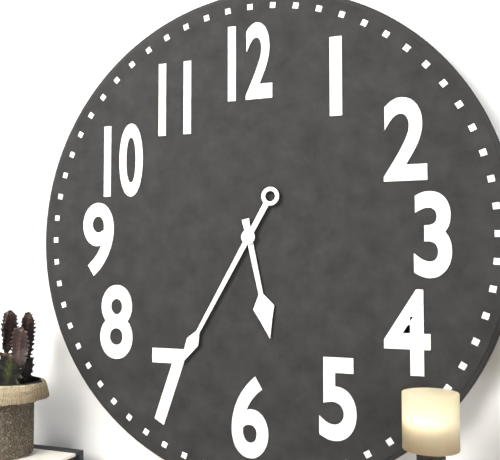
5h35
